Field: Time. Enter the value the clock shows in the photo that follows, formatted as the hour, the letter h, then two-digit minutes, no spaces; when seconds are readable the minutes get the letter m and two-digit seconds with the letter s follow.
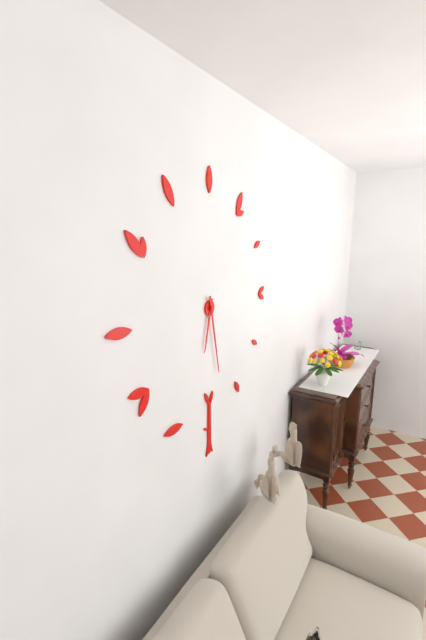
6h28
